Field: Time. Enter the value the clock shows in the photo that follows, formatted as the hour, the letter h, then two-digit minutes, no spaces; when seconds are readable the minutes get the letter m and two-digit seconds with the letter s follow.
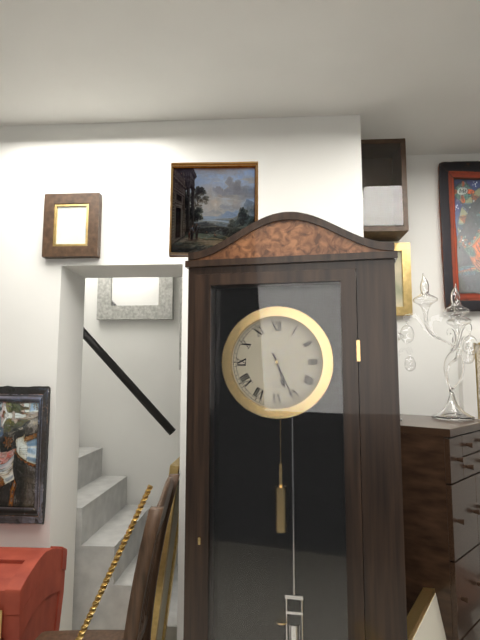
5h26
